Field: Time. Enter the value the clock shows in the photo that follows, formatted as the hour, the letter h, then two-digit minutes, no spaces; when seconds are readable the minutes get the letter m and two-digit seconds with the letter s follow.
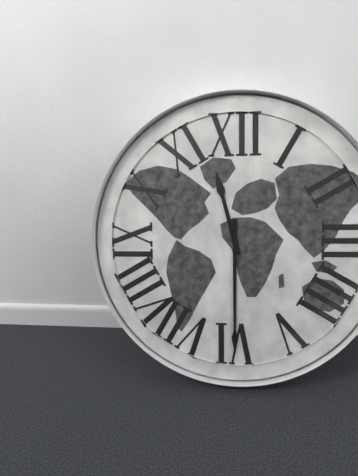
11h30
